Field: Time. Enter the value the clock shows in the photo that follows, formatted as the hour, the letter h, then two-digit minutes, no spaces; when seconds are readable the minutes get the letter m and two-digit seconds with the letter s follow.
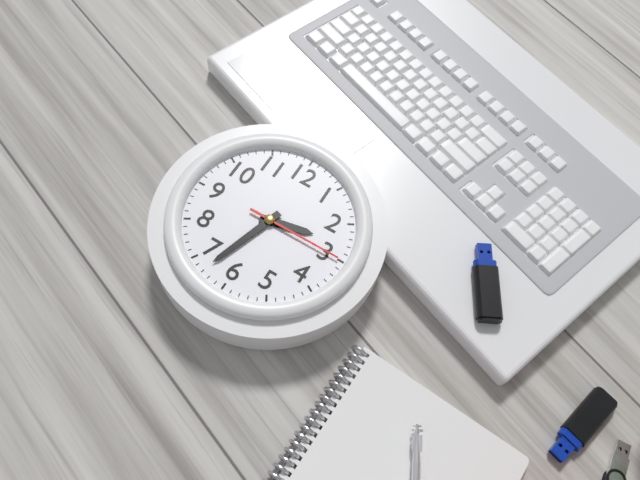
2h33m15s
